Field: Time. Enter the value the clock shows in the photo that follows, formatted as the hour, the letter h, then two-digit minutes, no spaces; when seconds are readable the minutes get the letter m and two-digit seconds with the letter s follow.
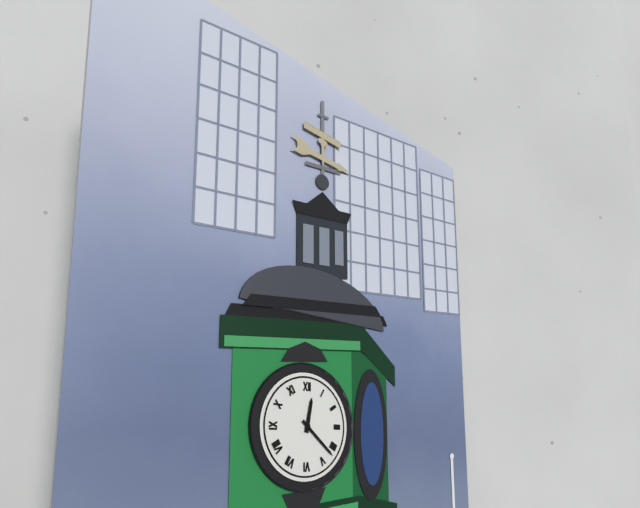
12h22
